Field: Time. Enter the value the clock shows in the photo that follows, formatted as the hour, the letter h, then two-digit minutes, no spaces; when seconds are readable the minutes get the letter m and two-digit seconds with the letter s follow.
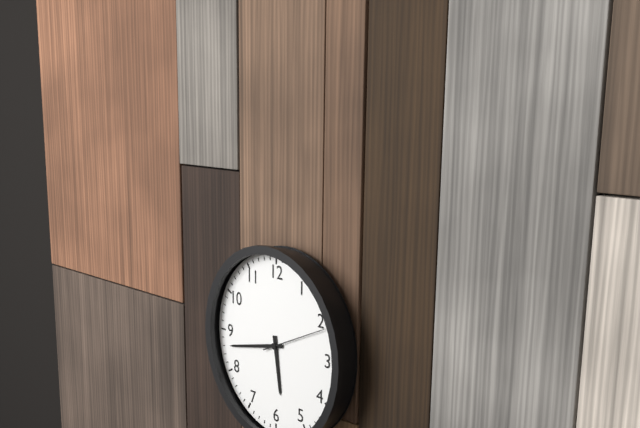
5h43m11s
